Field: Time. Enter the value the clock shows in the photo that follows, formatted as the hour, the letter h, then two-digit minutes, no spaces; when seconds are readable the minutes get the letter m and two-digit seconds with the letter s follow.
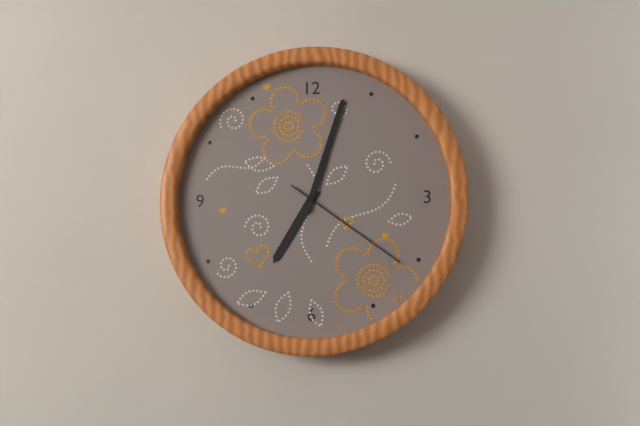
7h03m21s
